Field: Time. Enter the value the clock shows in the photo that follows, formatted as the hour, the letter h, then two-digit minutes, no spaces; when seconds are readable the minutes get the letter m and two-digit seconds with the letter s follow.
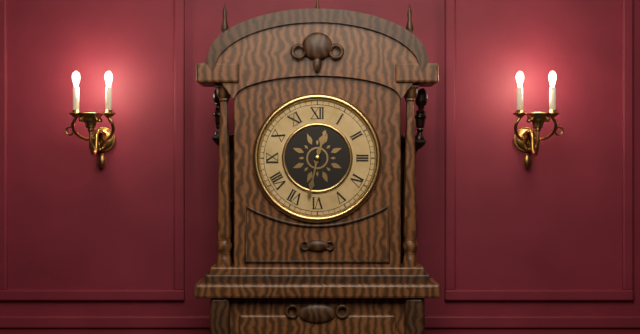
12h32
